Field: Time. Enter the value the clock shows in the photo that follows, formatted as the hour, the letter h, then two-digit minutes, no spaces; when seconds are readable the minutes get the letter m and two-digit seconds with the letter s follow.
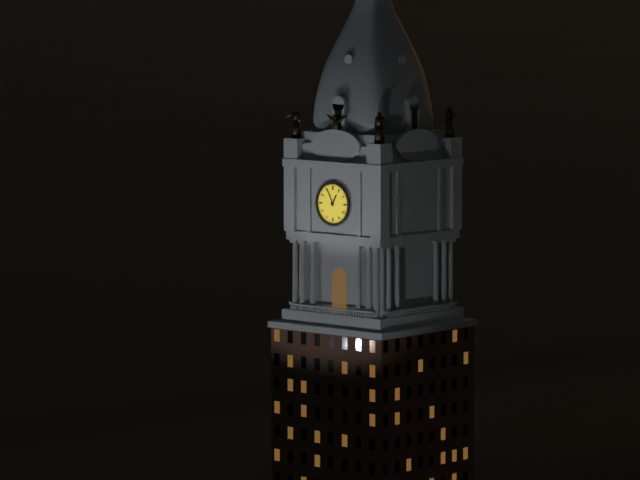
12h56
